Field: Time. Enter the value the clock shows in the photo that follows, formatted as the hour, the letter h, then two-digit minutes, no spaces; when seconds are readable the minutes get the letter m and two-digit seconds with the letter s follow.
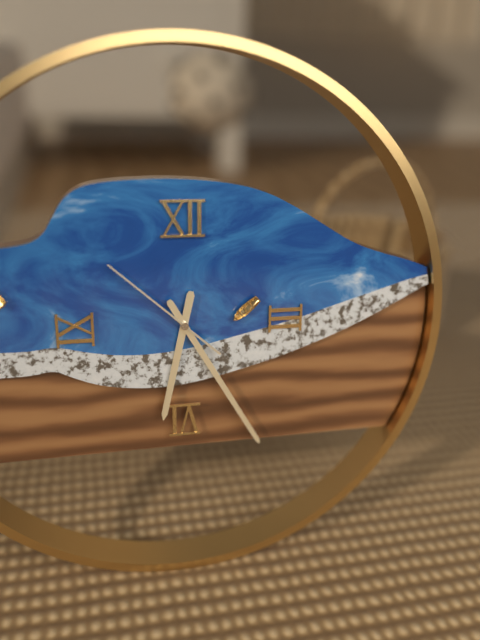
6h25m52s
